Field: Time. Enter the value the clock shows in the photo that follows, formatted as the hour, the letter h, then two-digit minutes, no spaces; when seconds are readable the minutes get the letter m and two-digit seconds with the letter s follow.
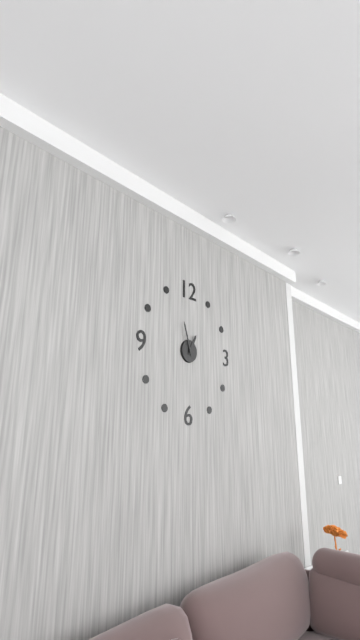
12h57
